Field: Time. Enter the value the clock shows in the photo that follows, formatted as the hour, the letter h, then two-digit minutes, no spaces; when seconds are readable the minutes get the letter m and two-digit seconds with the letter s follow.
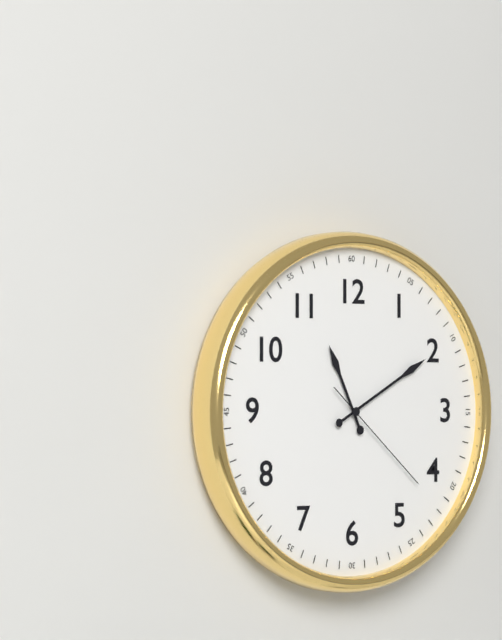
11h10m22s
